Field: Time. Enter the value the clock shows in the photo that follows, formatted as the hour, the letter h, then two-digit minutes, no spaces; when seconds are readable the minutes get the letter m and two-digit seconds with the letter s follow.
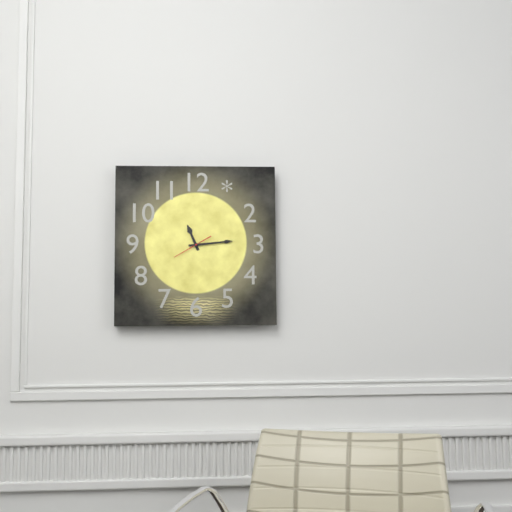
11h14
